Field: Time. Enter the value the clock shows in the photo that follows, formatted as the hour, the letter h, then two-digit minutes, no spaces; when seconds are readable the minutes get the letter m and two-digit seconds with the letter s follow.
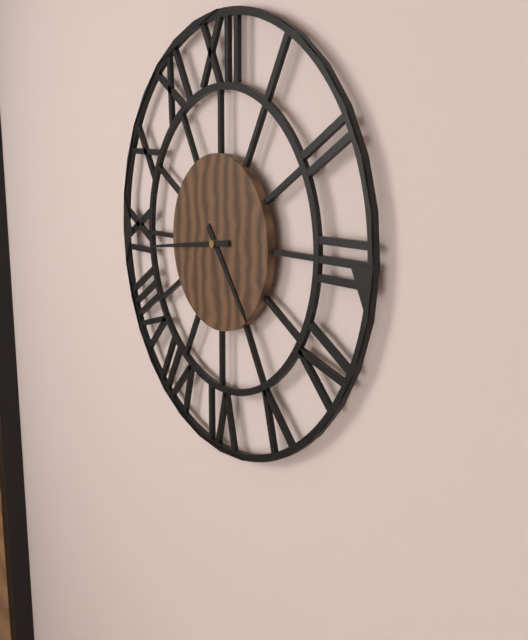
4h44
